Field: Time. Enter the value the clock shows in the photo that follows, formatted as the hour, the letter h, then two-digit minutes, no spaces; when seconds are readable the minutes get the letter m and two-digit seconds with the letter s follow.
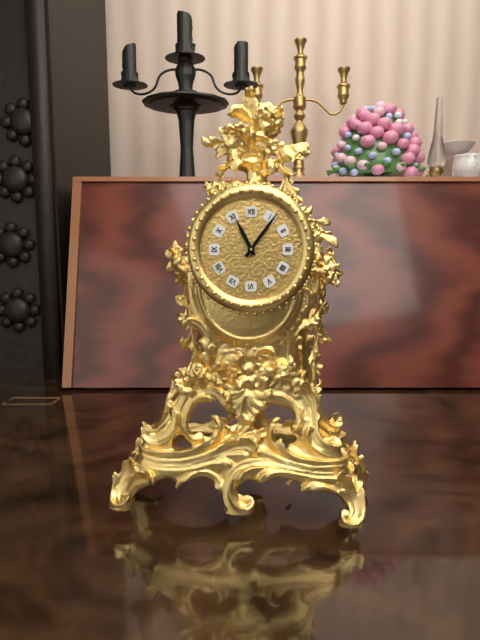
11h06
